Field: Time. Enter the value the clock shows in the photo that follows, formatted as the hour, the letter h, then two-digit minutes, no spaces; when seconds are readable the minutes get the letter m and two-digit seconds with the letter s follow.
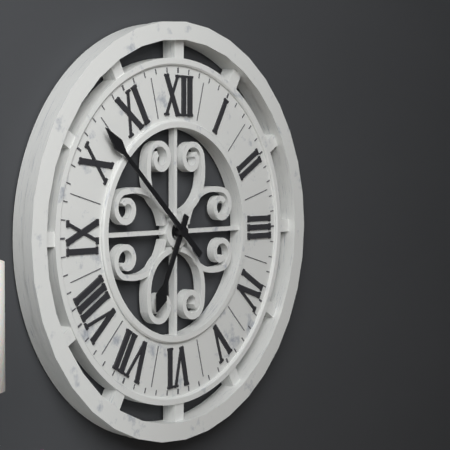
6h52
